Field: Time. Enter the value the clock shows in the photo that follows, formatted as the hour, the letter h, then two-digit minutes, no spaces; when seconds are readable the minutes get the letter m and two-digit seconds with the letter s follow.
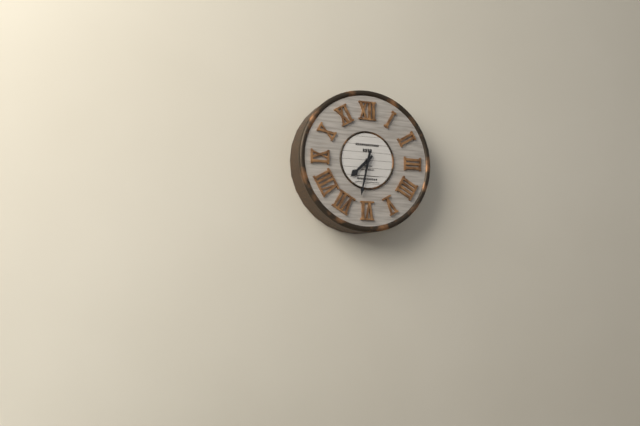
7h32
